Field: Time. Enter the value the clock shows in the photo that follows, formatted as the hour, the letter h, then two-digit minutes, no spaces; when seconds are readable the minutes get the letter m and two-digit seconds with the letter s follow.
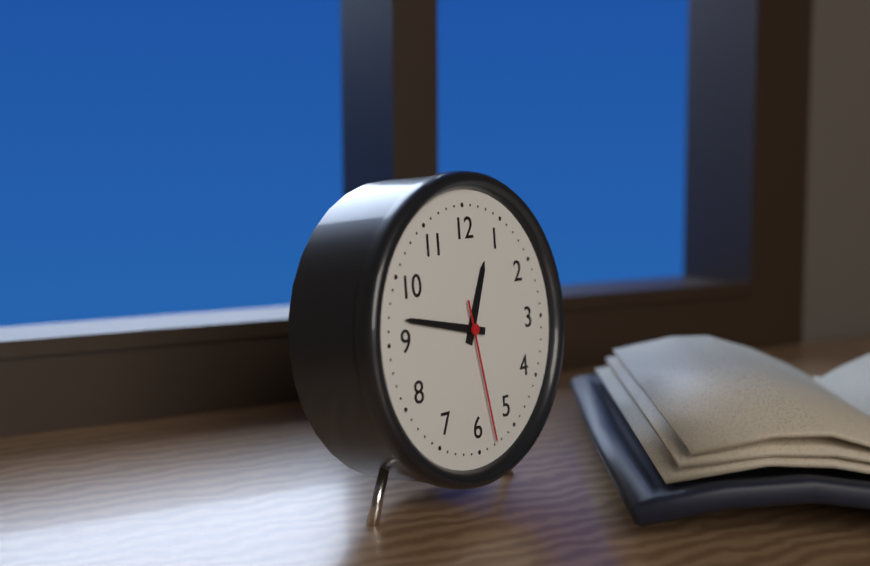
12h47m28s
